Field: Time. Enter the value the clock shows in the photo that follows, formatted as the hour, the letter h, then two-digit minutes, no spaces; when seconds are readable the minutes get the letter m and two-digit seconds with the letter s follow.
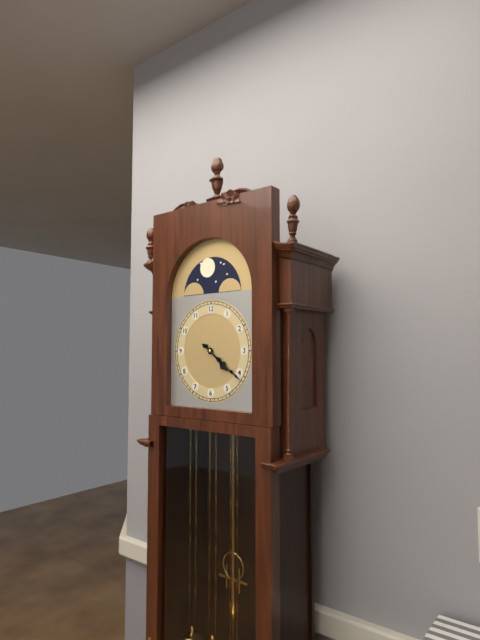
4h21
